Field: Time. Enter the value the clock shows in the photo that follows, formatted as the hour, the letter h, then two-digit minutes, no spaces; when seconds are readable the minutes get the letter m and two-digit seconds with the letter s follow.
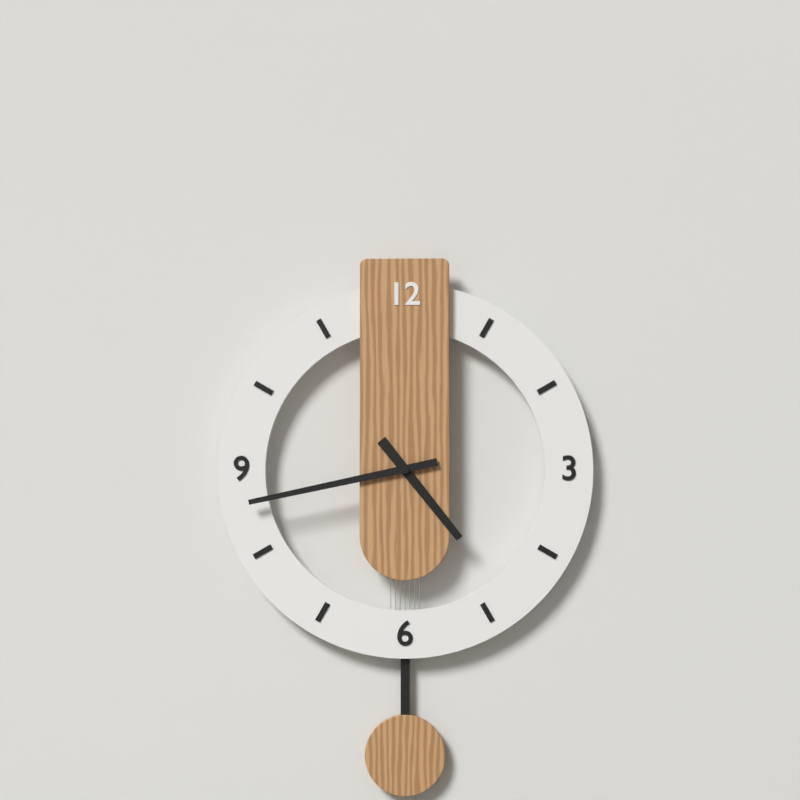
4h43
